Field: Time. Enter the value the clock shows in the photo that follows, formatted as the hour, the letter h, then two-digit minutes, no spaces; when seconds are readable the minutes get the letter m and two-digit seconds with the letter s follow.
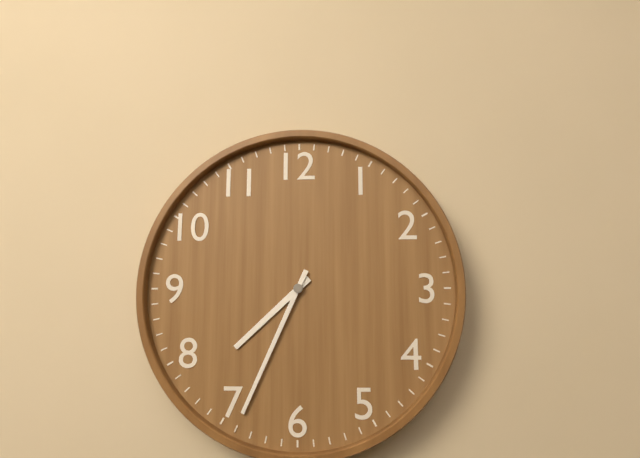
7h34
